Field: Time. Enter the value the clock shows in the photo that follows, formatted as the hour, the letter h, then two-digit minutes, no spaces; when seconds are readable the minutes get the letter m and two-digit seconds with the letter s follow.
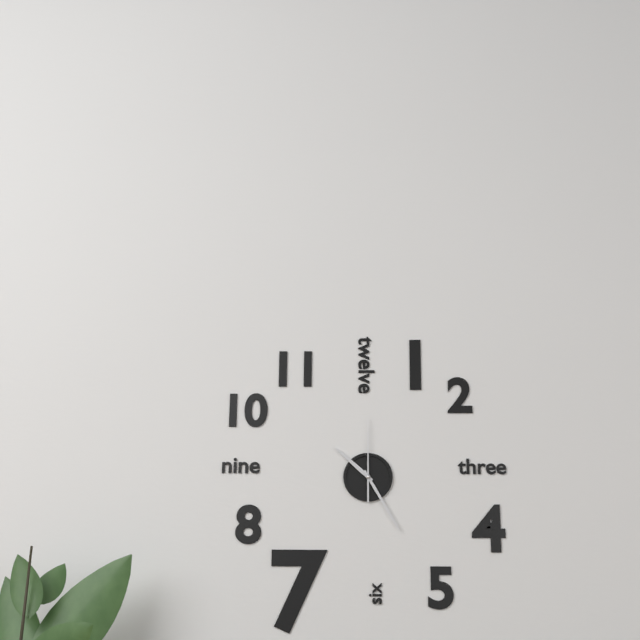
10h25m00s
